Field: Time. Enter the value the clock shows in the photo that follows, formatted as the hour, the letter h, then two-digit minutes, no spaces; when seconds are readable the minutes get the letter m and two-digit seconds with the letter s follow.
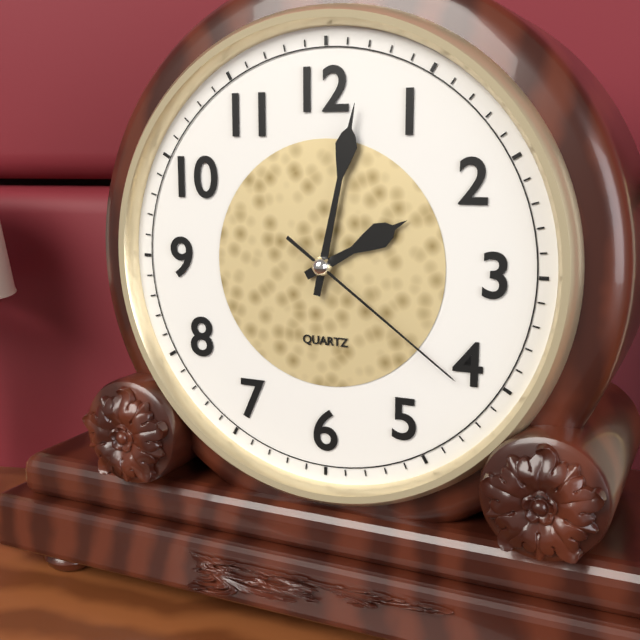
2h02m21s
